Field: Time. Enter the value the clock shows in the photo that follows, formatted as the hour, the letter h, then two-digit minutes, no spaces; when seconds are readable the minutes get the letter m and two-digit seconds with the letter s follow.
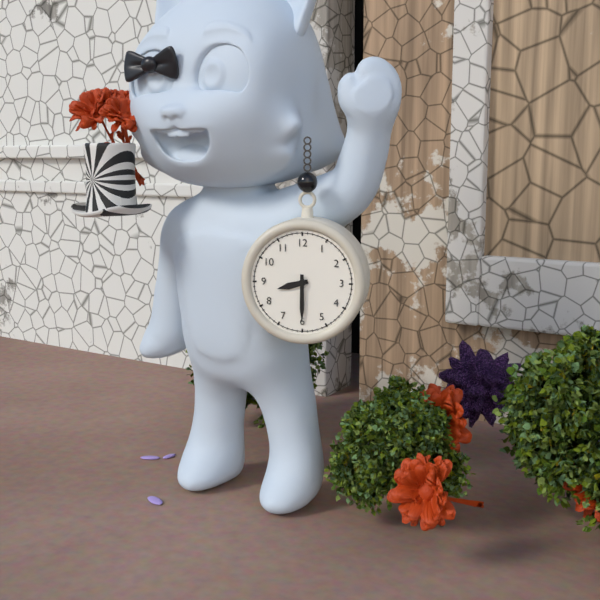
8h30
